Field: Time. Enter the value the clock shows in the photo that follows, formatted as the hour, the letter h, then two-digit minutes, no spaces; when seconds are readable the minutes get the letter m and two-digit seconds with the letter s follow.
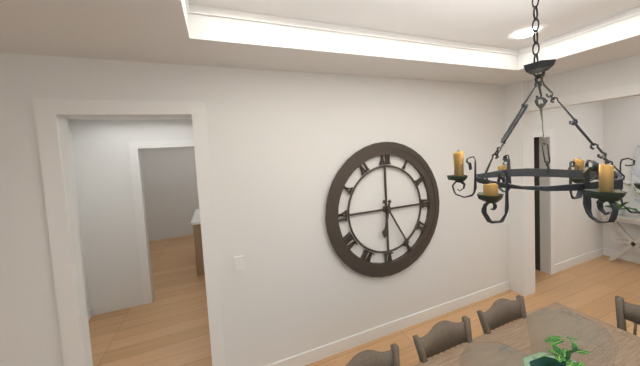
6h25
